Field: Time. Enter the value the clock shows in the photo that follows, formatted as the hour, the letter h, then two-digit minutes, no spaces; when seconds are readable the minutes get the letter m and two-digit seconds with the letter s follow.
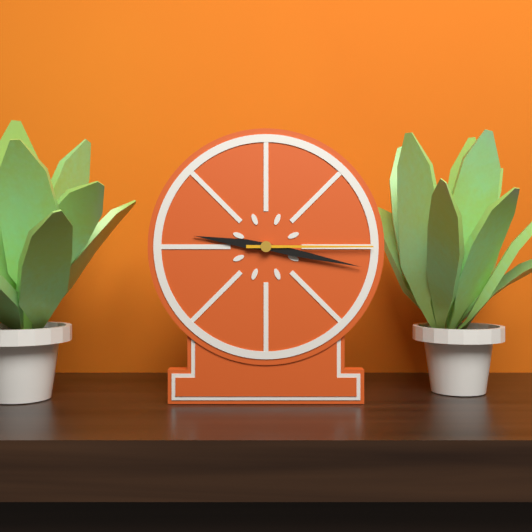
9h17m15s
